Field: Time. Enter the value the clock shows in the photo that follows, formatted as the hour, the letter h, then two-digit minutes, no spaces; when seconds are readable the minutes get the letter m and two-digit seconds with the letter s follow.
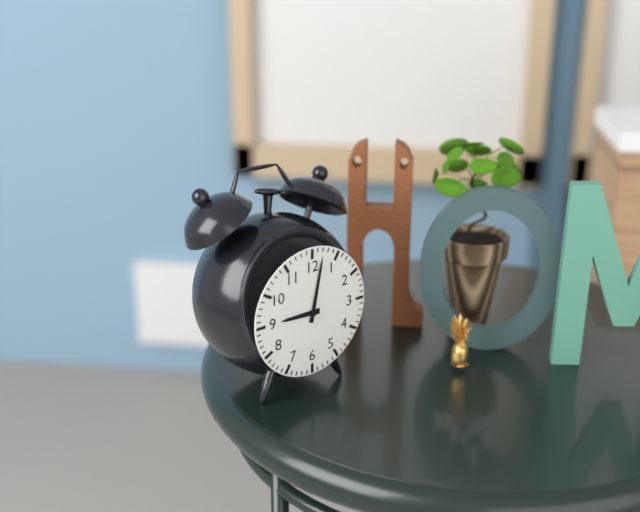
9h02
